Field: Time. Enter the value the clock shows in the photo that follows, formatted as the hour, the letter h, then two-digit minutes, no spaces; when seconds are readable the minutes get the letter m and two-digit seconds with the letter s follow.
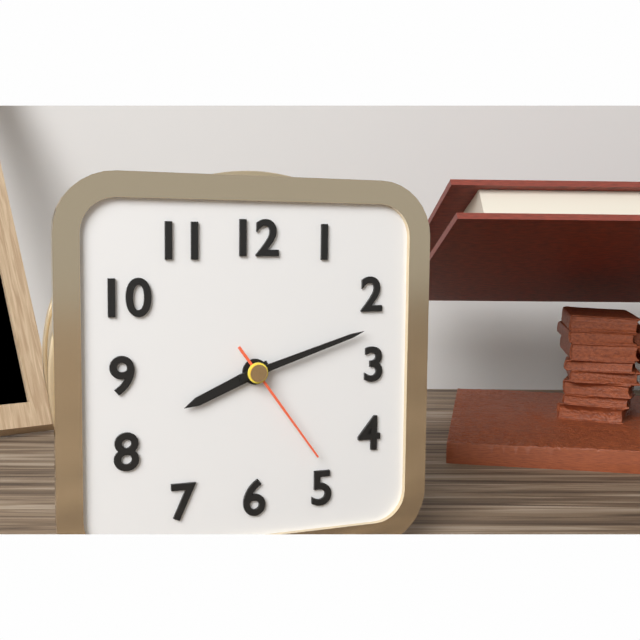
8h12m24s
